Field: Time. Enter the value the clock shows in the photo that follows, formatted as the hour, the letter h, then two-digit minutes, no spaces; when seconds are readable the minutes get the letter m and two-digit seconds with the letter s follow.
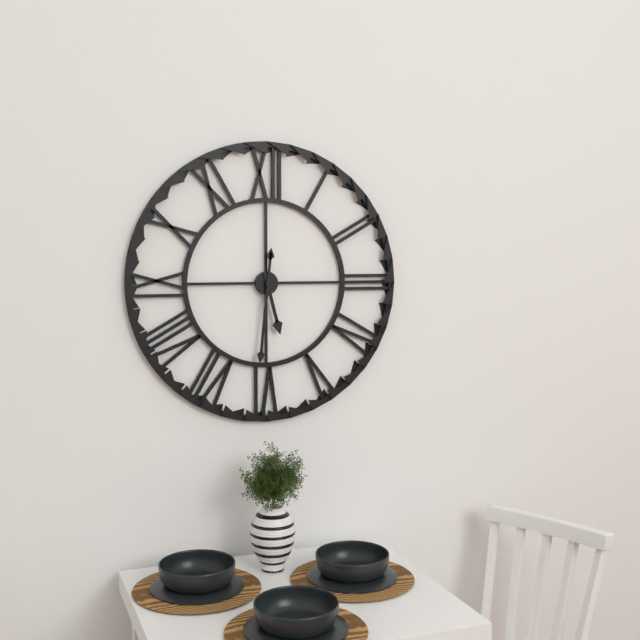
5h31
